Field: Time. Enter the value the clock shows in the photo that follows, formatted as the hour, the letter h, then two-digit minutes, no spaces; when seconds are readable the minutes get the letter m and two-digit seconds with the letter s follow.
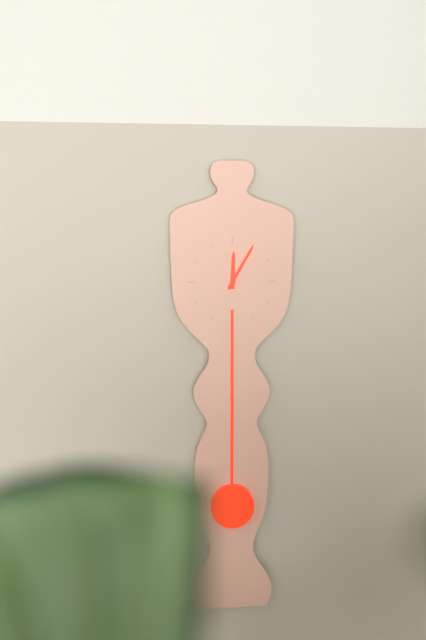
12h05
